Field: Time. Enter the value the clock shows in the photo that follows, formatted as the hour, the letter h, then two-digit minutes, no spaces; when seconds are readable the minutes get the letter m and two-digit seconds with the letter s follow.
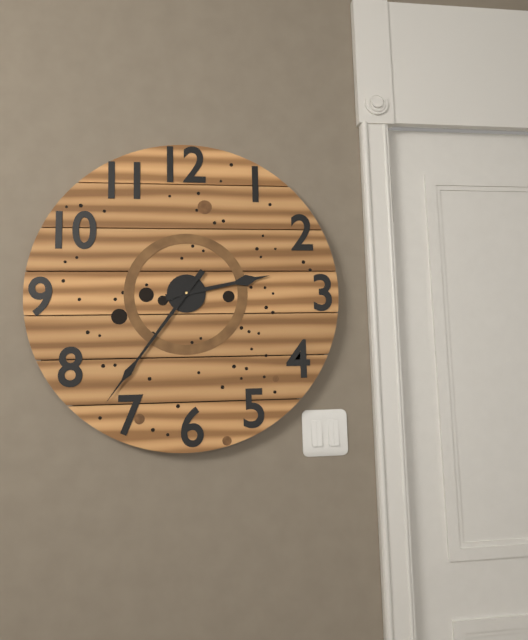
2h36
